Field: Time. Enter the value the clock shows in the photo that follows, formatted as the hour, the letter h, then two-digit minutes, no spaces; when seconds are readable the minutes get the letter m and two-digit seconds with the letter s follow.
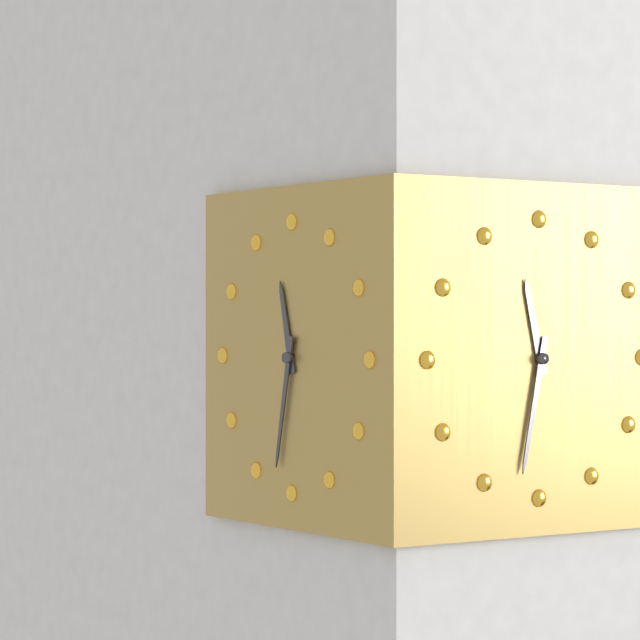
11h32
